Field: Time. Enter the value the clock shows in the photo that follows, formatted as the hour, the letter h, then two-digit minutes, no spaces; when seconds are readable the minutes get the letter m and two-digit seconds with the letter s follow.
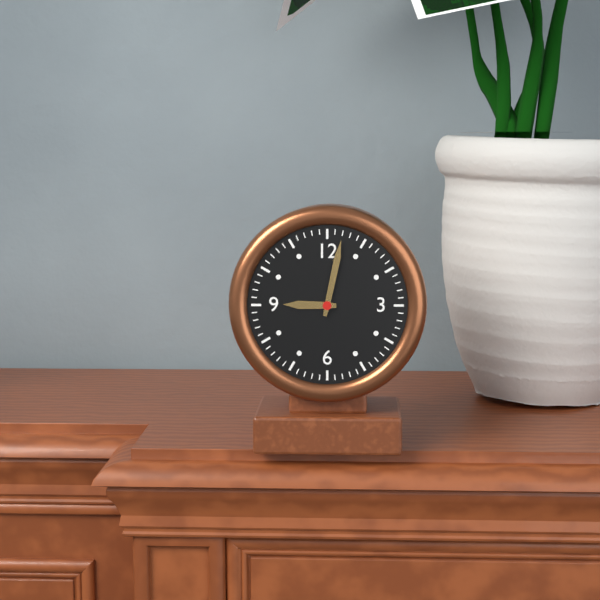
9h02
